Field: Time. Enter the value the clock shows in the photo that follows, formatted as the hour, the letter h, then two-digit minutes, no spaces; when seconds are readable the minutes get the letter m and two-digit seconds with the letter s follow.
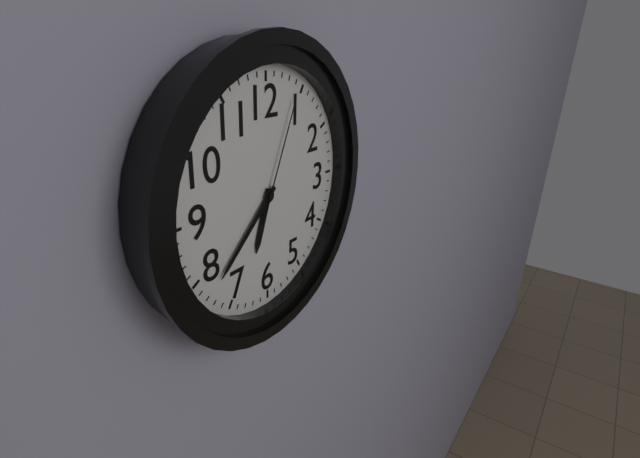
6h38m04s
